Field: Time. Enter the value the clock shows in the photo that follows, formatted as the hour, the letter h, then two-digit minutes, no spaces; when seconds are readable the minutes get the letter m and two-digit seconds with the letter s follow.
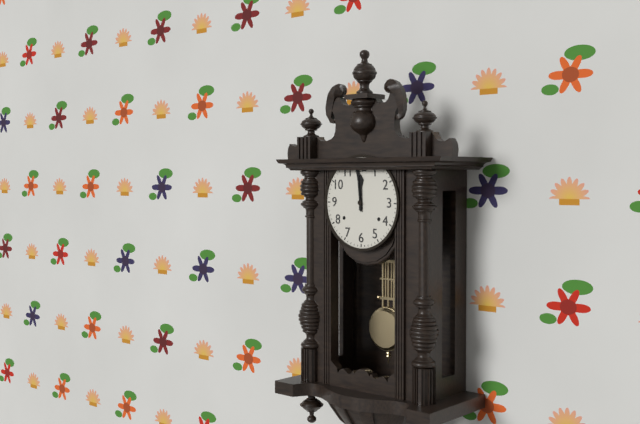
11h59
